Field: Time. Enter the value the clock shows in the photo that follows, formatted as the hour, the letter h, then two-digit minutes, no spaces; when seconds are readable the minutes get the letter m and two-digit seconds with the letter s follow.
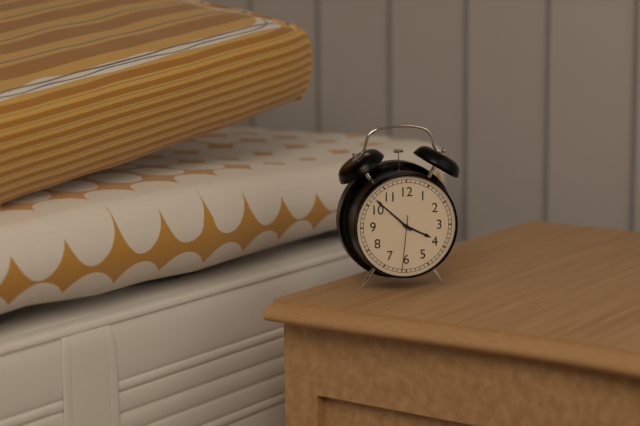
3h52m31s
